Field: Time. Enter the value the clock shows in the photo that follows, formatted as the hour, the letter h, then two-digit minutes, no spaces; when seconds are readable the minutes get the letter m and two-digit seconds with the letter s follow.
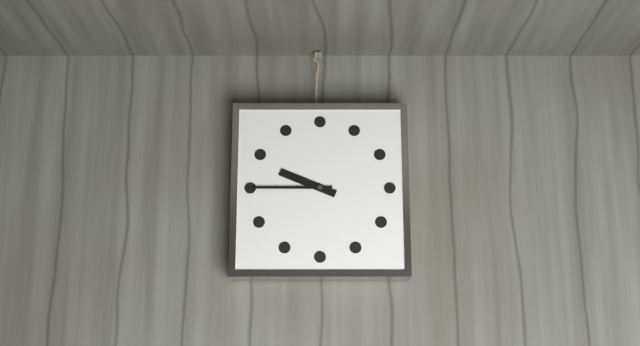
9h45
